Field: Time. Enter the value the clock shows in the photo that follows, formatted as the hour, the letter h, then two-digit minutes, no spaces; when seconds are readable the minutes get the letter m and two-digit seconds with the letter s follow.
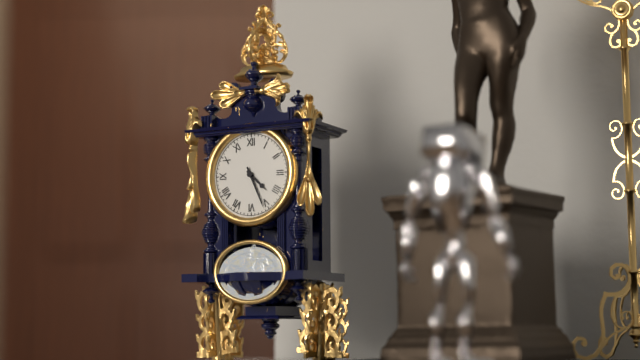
4h26
